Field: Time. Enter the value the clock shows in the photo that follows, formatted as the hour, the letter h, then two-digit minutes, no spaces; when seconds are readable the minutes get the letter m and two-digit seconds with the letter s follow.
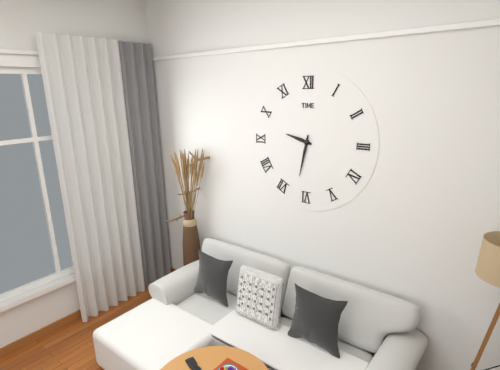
9h32
